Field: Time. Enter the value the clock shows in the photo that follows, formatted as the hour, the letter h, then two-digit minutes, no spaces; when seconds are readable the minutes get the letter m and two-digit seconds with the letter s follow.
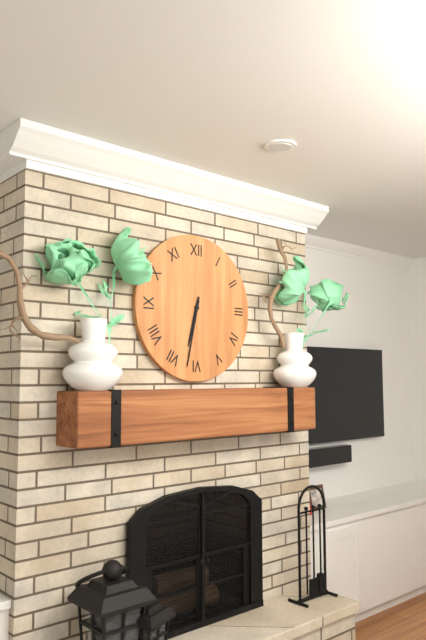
6h32
